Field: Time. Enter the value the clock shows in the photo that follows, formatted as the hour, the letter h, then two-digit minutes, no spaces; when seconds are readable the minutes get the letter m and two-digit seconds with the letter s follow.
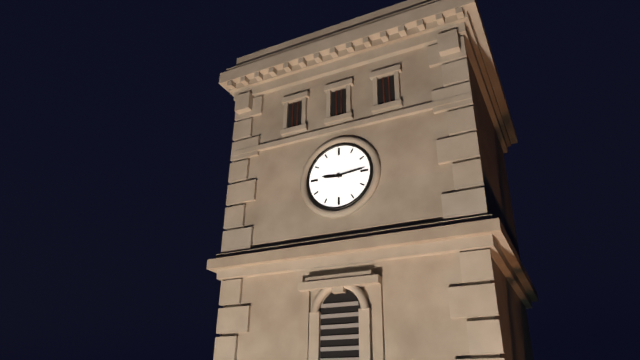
9h14
